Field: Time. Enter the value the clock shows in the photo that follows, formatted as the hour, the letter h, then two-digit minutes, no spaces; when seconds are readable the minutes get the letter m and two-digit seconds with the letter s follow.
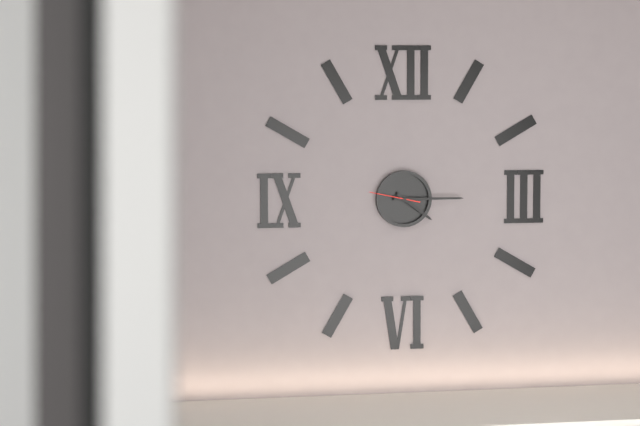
4h15
